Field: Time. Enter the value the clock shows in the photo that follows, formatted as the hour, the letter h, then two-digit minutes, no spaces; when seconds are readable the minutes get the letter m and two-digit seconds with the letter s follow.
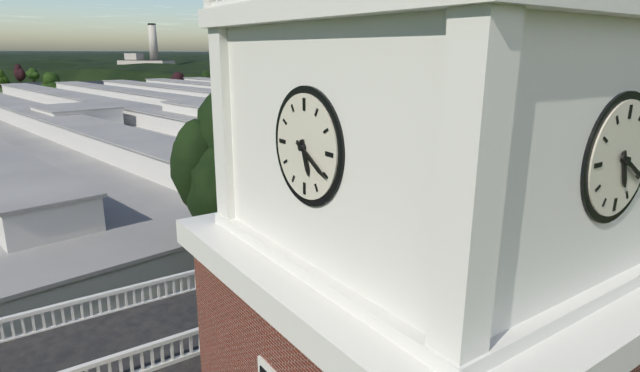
5h20
